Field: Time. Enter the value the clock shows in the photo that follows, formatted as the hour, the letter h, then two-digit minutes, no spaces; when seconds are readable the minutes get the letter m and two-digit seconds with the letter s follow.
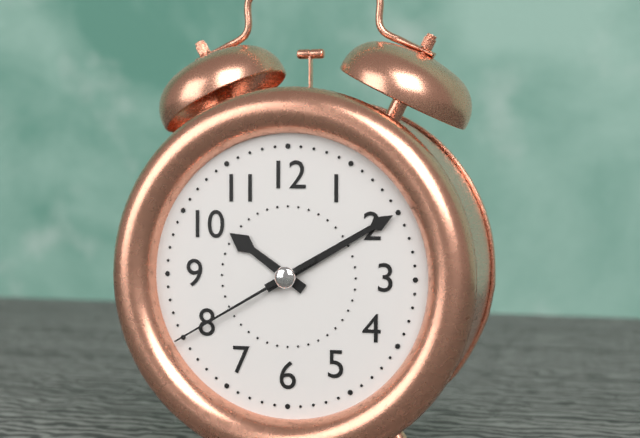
10h10m40s
